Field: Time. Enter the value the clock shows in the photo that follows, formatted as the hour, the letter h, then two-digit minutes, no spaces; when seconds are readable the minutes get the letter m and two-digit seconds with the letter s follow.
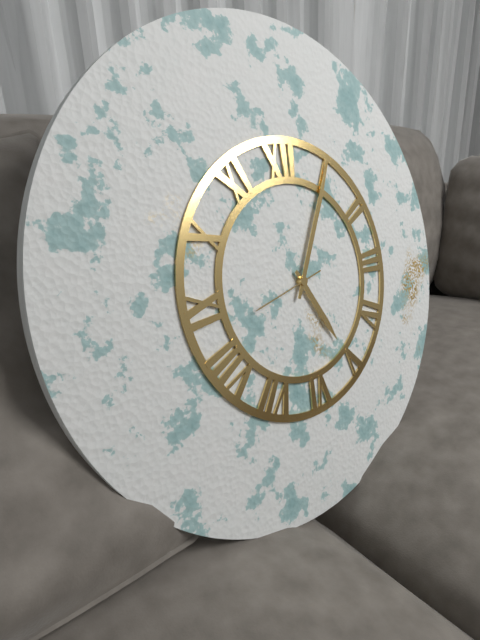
5h05m43s
